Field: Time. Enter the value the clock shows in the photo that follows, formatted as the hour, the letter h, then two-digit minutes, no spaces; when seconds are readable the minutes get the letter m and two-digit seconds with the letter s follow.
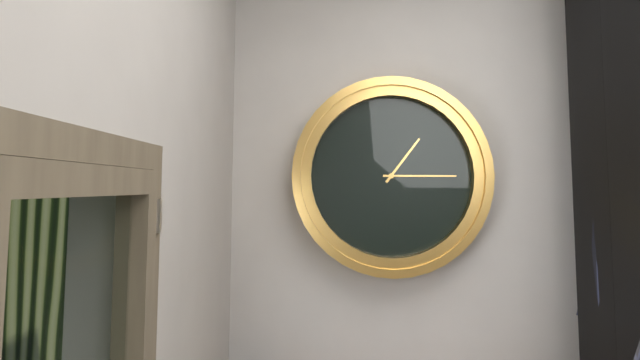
1h15
